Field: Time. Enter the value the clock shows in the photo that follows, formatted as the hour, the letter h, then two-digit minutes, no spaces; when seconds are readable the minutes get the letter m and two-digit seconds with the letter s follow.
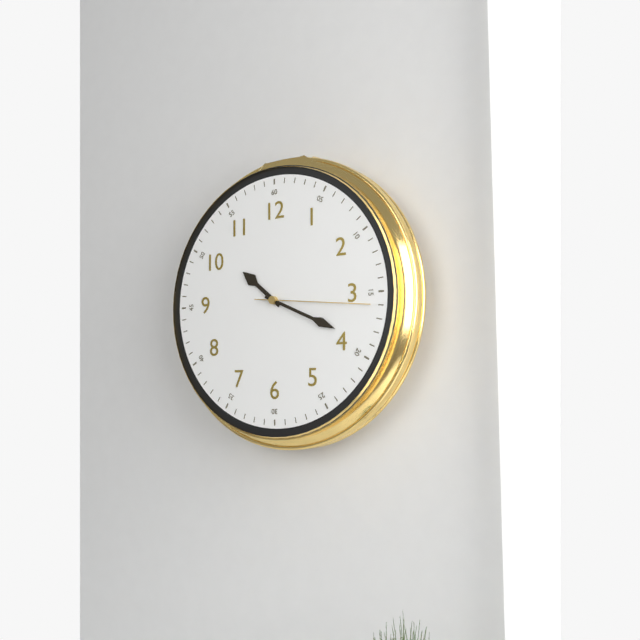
10h19m16s
